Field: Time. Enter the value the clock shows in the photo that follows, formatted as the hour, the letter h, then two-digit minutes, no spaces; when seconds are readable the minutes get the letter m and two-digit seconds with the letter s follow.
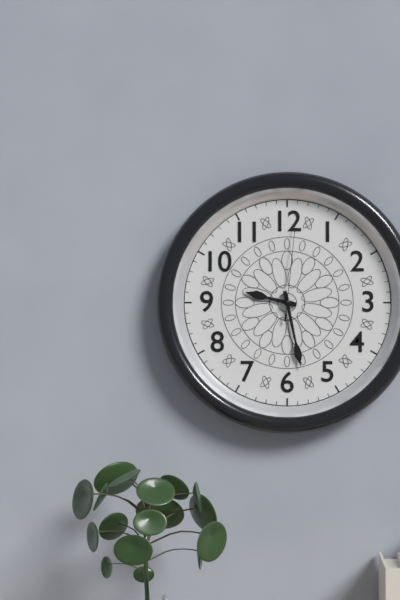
9h28m01s
